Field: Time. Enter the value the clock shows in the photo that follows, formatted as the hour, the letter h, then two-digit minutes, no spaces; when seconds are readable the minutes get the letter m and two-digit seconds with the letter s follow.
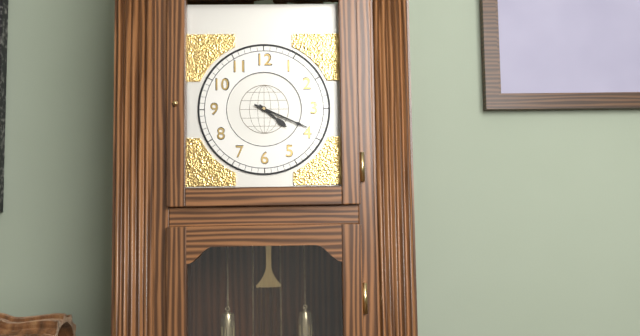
4h19
